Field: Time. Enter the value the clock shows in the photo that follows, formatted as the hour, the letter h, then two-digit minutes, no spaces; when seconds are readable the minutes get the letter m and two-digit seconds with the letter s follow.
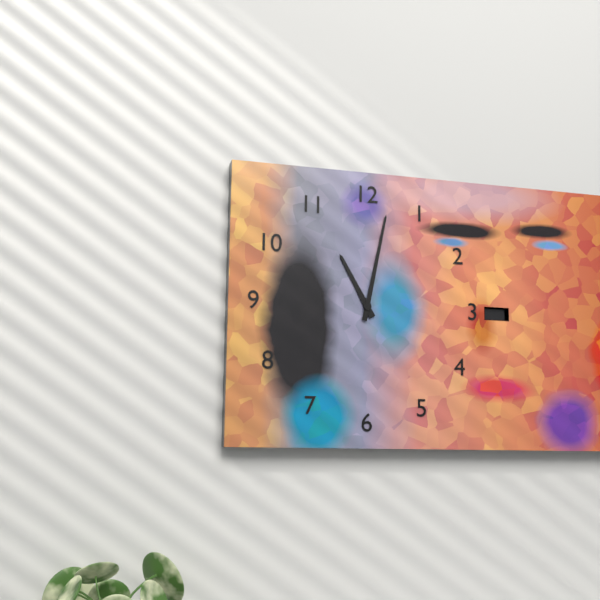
11h02
